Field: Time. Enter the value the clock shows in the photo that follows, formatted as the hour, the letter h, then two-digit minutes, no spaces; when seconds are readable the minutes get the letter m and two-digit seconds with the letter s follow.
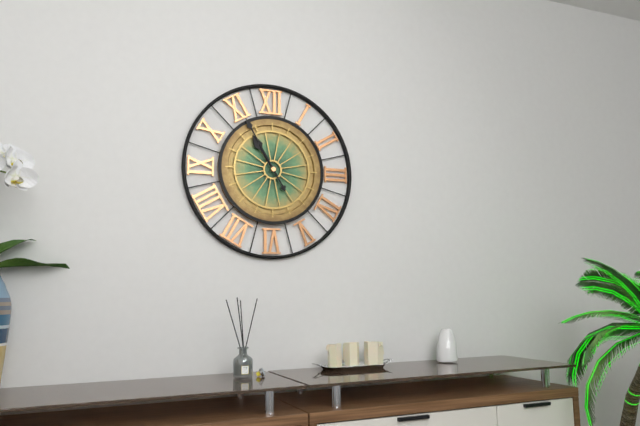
10h55
